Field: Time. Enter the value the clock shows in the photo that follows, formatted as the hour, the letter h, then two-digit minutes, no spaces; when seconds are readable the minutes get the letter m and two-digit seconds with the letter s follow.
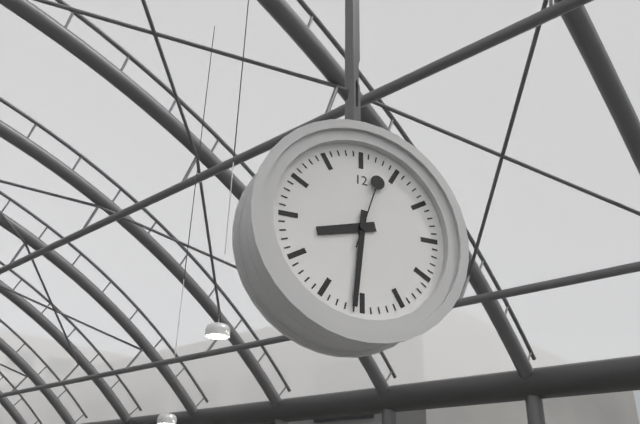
8h31m03s
